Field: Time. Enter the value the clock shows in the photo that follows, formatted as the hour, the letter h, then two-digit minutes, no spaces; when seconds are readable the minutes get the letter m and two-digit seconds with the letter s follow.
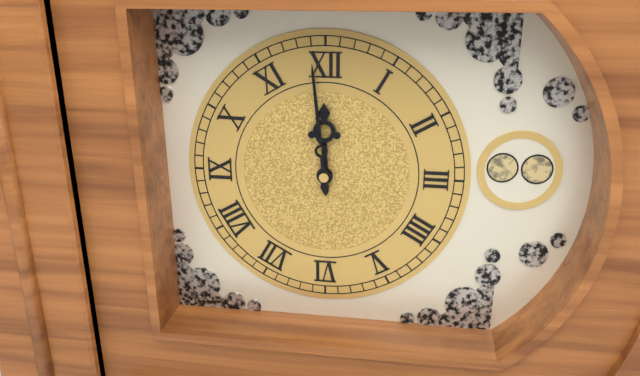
11h59
